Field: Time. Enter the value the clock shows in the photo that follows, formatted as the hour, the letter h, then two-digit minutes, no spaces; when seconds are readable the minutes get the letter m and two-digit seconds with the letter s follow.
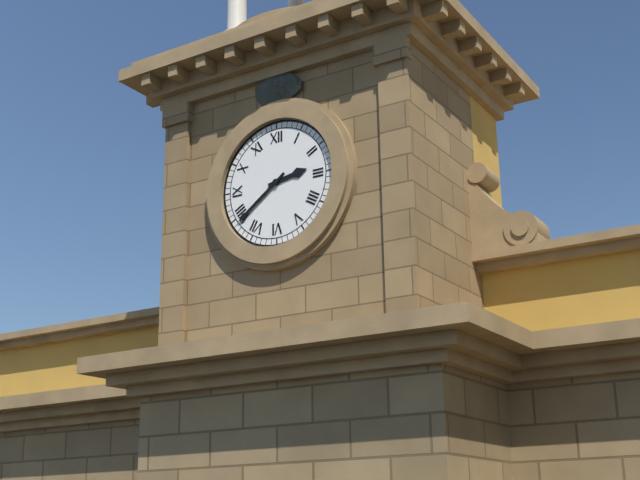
2h39
